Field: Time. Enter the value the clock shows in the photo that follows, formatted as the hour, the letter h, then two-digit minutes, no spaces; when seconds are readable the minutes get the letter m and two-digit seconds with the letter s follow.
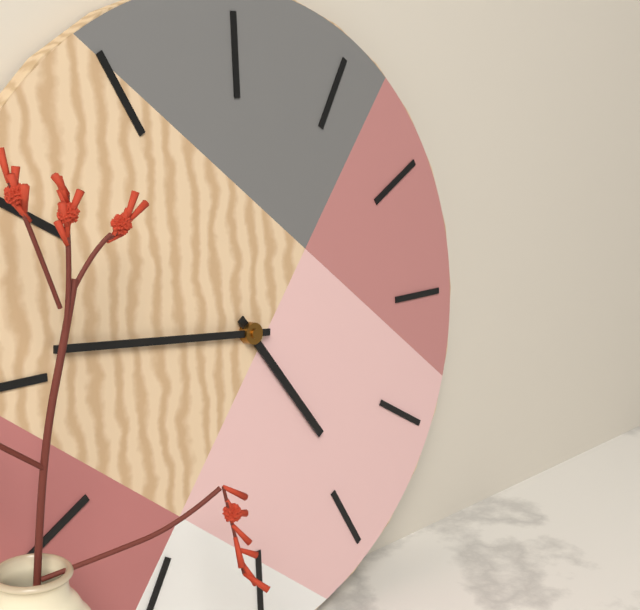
4h46
